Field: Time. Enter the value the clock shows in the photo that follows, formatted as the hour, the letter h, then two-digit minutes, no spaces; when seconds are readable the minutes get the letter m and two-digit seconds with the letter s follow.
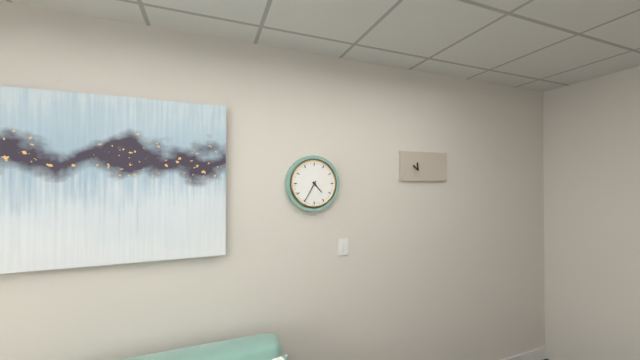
4h35
